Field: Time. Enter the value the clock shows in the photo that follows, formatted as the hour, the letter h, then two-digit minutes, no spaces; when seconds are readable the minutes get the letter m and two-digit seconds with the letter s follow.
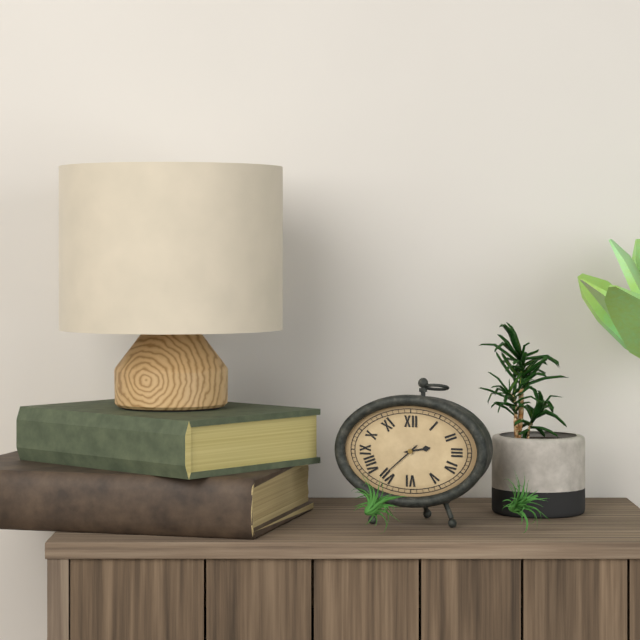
2h38
